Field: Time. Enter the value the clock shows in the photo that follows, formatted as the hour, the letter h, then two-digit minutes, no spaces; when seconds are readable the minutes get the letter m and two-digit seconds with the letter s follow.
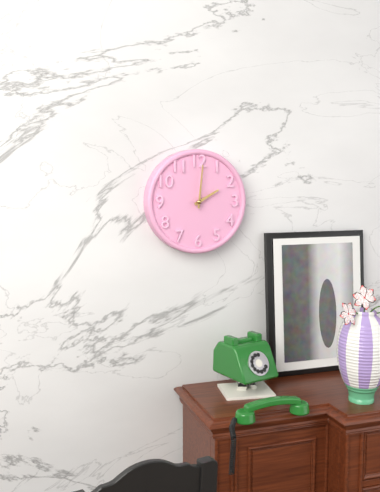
2h01
